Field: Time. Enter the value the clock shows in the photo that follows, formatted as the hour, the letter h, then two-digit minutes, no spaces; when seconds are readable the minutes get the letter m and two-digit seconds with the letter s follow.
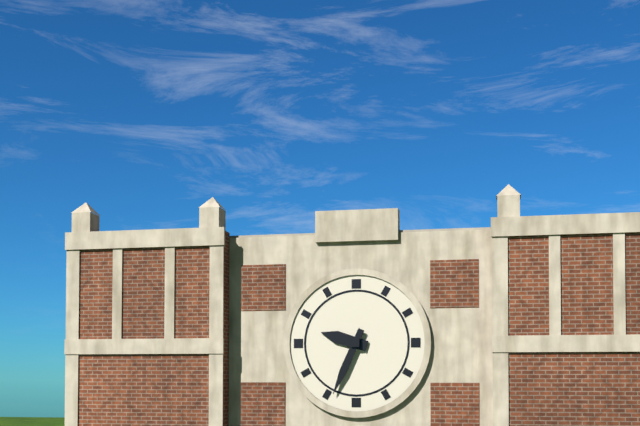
9h34
